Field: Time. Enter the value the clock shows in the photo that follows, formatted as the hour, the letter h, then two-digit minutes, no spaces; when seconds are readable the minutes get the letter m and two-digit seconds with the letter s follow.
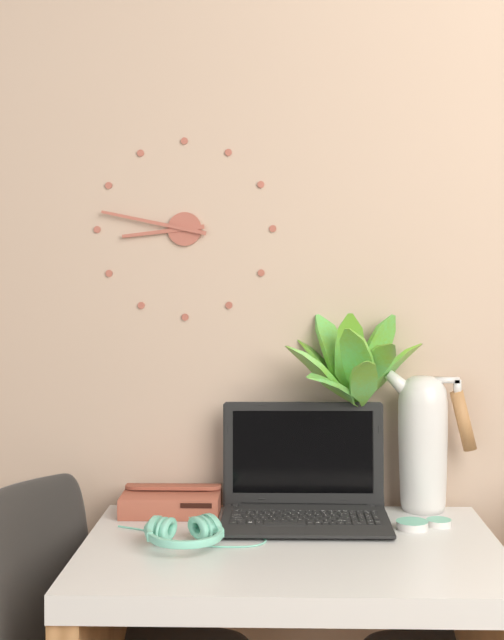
8h47
